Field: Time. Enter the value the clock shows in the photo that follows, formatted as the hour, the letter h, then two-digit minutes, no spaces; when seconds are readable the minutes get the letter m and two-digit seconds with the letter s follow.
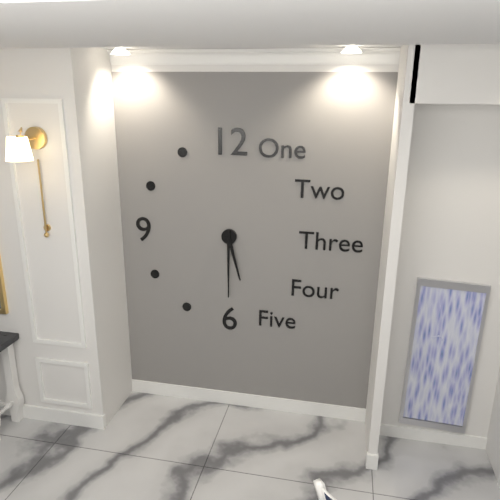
5h30
